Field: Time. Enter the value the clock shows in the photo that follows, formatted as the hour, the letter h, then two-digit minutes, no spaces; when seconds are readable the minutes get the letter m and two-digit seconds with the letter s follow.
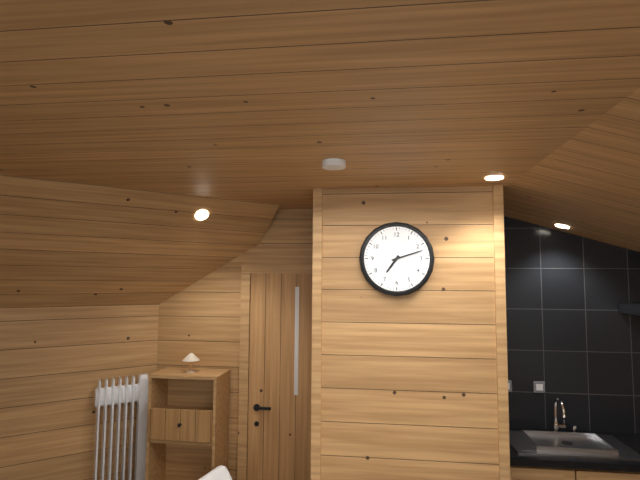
7h12
